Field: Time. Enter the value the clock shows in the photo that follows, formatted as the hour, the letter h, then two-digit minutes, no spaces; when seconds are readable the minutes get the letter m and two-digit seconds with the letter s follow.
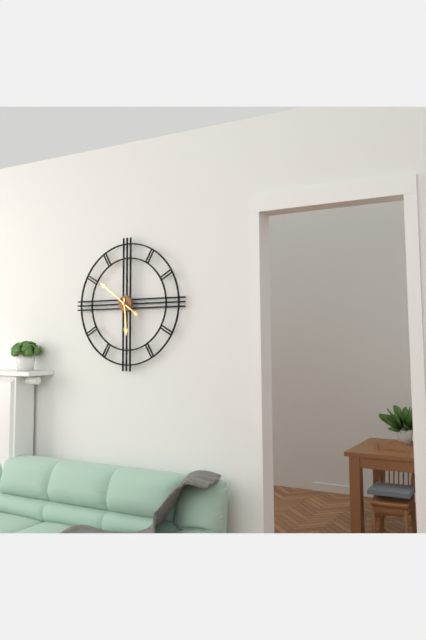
5h51
